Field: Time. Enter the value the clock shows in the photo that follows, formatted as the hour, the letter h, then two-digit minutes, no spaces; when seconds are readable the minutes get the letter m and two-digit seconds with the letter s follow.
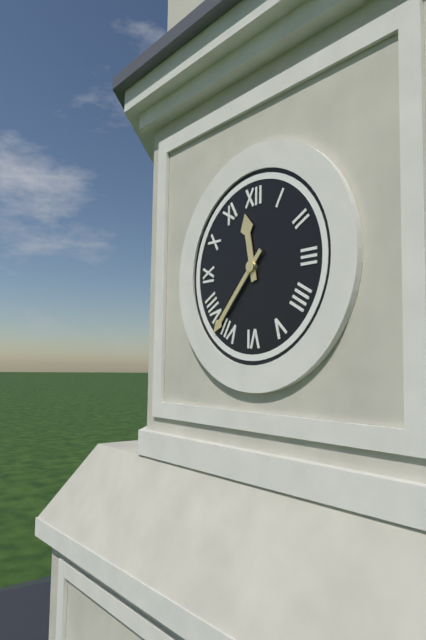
11h37
